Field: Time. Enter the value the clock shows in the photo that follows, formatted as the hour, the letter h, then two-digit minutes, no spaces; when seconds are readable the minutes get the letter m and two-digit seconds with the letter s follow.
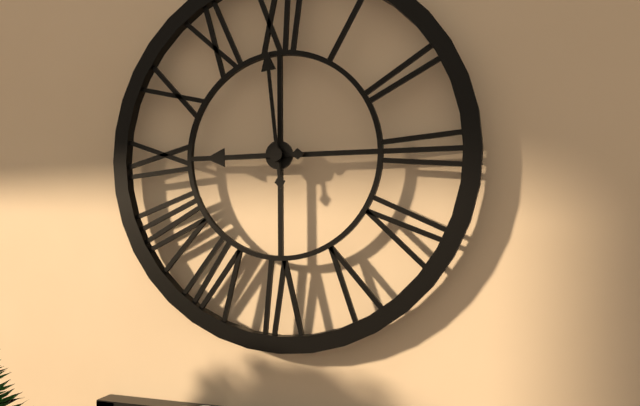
8h59
